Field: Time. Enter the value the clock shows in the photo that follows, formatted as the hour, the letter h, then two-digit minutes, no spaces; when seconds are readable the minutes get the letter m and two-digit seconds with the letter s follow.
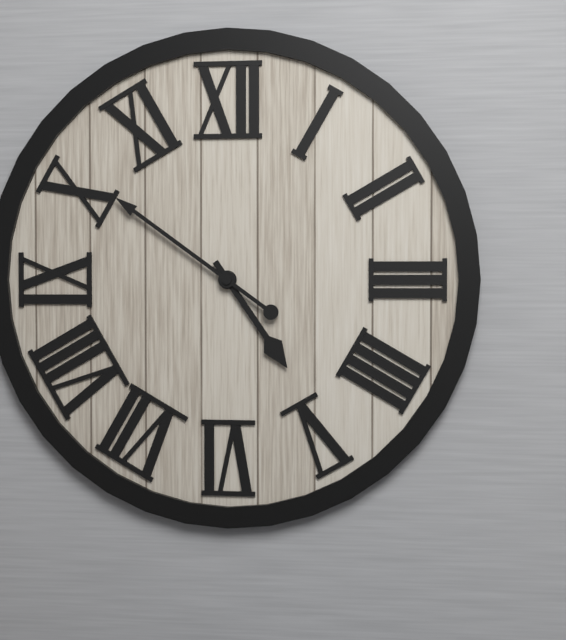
4h51
